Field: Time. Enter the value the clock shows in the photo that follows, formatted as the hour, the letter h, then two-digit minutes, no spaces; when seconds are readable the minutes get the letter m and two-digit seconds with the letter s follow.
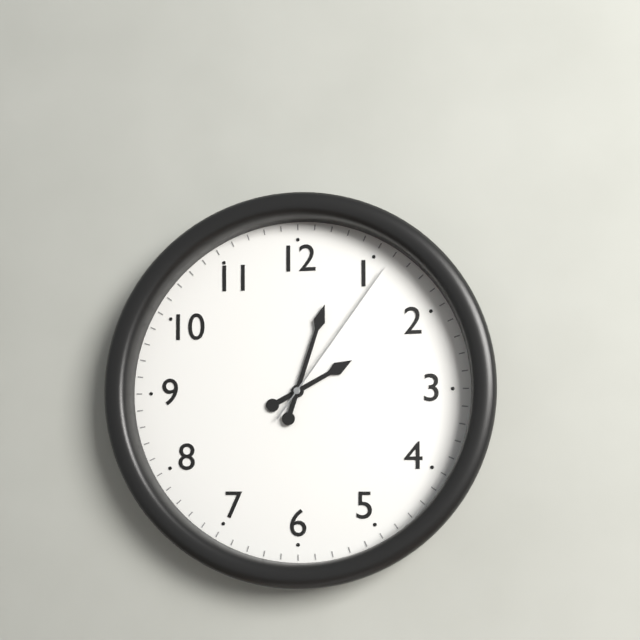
2h03m06s
